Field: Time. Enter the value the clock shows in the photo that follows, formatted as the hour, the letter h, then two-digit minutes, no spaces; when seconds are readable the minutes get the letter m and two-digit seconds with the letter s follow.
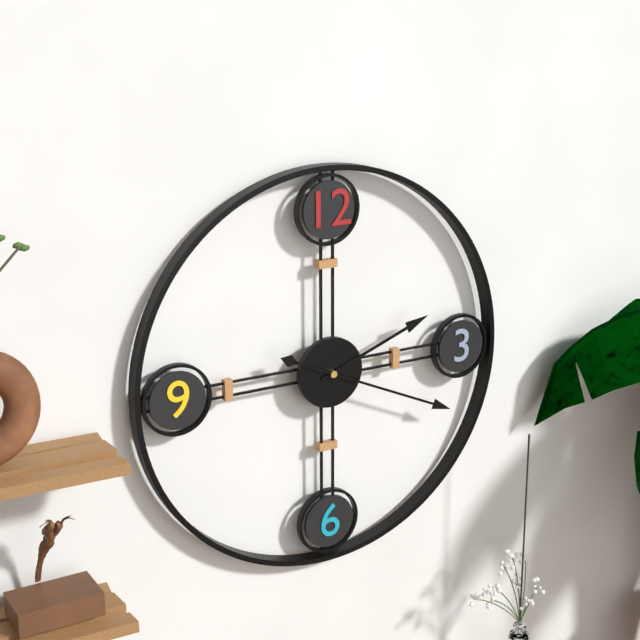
2h19
